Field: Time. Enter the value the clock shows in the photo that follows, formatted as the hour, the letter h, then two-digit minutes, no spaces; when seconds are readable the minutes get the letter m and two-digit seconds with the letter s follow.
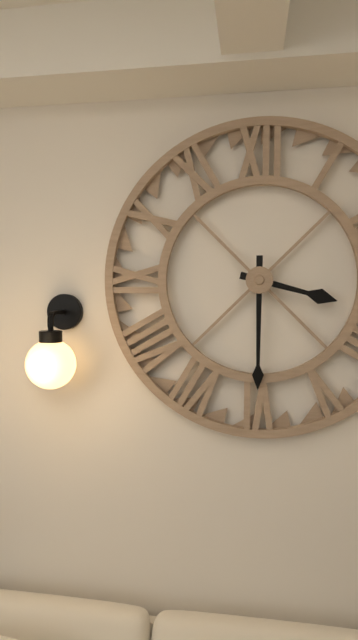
3h30
